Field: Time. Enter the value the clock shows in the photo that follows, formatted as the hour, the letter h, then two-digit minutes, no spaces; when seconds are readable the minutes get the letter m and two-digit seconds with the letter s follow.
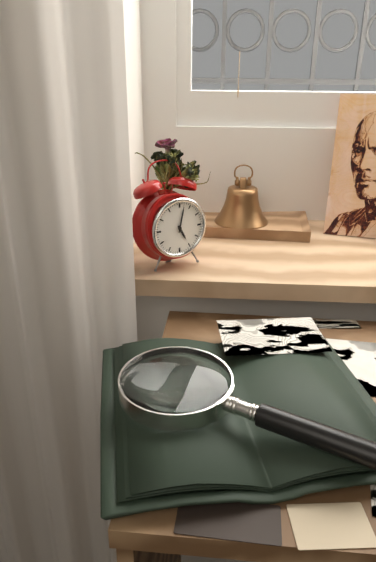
5h02
